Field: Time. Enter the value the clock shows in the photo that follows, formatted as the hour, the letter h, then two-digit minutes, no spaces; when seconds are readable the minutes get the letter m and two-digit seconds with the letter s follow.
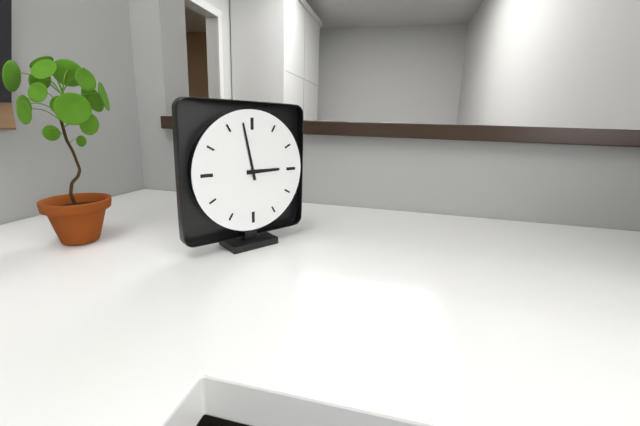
2h58
